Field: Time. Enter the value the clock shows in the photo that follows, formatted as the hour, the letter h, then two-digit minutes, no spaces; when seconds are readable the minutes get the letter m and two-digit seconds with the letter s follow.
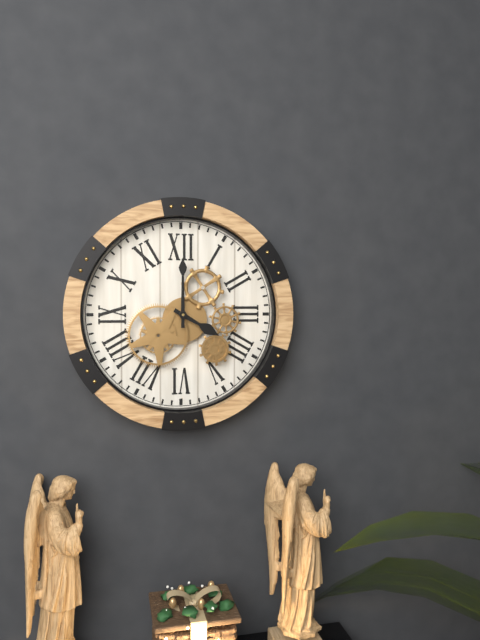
4h00
